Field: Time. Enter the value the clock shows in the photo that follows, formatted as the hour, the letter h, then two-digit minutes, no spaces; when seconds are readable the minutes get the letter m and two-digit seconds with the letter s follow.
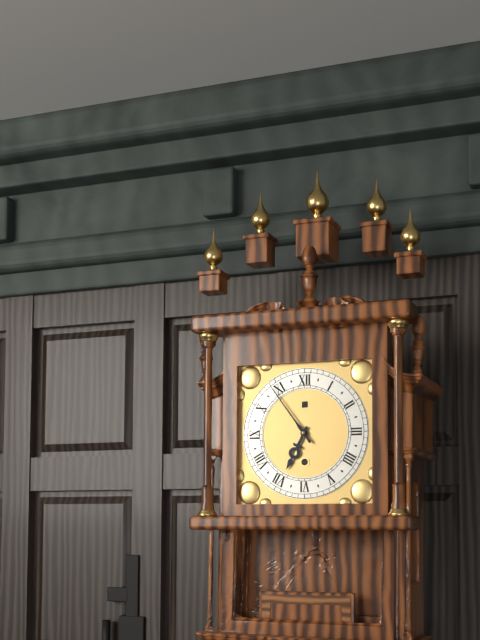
6h54
